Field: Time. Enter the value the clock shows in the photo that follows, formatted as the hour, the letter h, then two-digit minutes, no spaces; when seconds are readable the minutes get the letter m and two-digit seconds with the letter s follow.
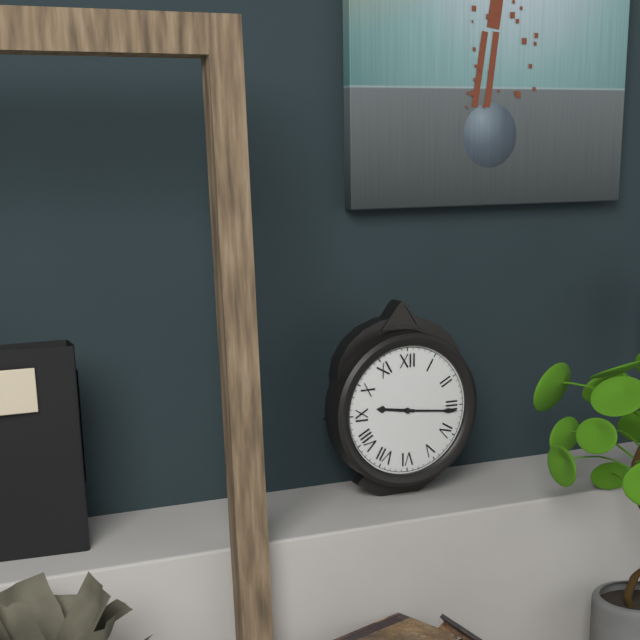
9h16
